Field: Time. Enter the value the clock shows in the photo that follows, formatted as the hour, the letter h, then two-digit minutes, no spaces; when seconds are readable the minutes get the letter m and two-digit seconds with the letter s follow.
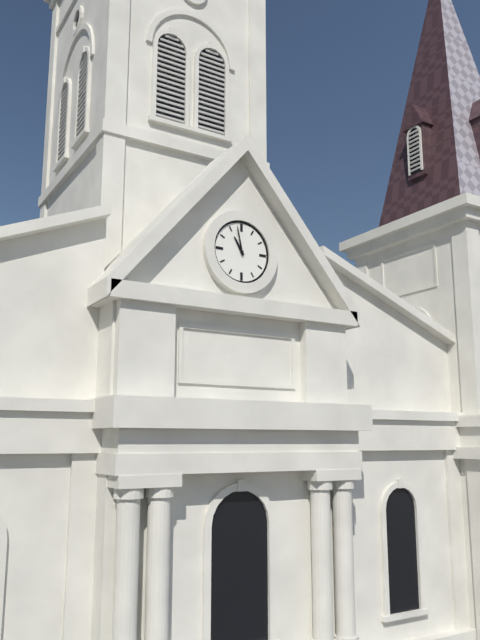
10h58
